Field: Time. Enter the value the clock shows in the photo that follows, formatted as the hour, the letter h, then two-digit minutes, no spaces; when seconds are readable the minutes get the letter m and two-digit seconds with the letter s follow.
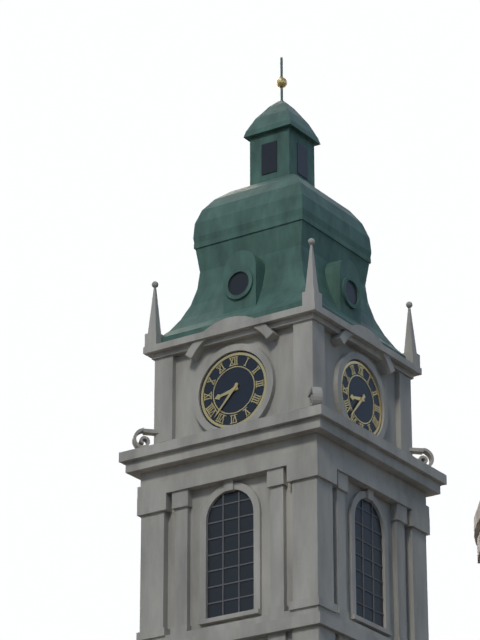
8h37
